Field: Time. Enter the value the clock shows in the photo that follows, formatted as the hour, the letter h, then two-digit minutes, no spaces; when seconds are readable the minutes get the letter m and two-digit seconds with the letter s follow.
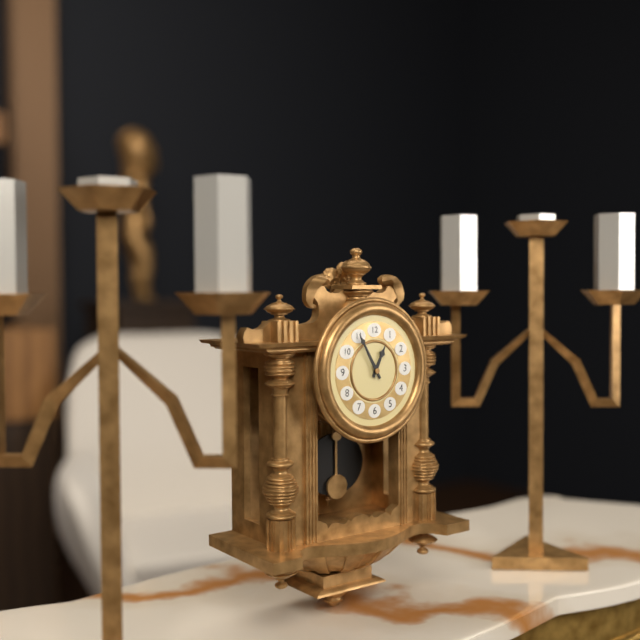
12h55
